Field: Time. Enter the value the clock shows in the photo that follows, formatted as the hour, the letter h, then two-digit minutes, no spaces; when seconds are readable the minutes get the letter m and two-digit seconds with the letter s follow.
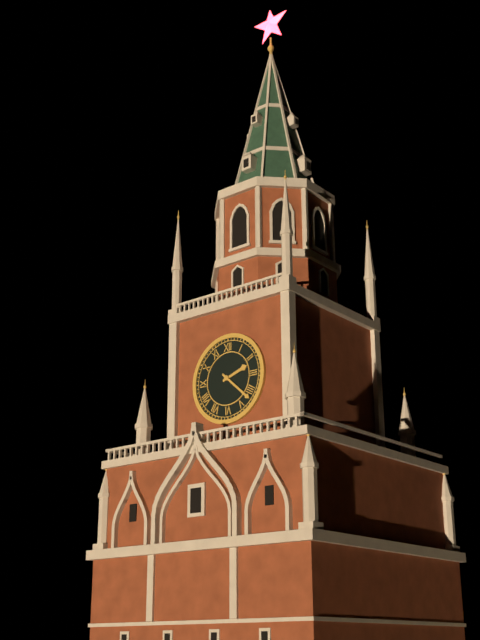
2h22
